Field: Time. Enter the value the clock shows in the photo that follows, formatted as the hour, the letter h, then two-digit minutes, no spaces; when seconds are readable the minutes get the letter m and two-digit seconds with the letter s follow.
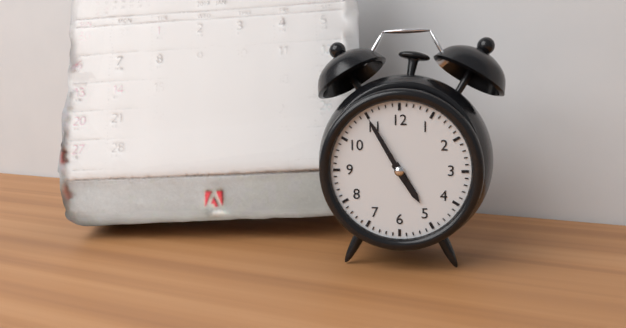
4h55
